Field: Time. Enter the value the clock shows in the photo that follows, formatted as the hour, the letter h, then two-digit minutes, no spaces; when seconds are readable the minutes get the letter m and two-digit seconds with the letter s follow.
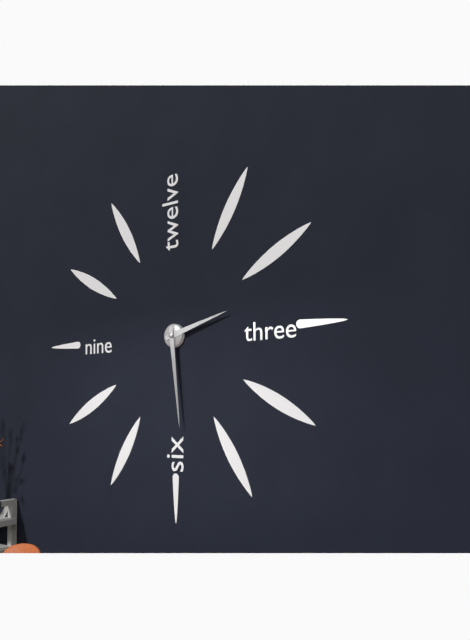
2h29
